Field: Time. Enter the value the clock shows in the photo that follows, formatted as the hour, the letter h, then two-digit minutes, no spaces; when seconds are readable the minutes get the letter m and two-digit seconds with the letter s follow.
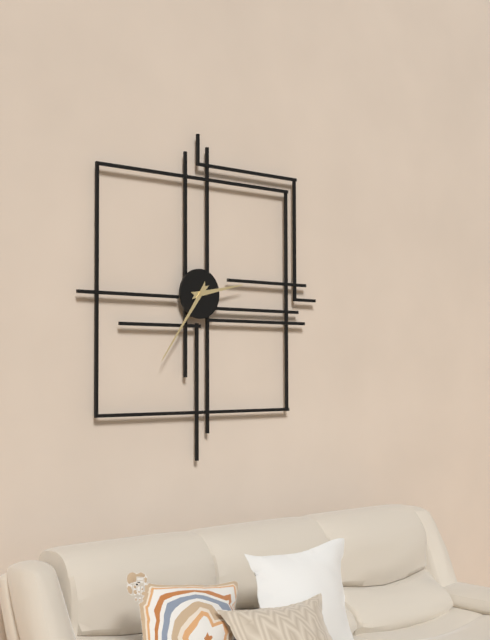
2h36
